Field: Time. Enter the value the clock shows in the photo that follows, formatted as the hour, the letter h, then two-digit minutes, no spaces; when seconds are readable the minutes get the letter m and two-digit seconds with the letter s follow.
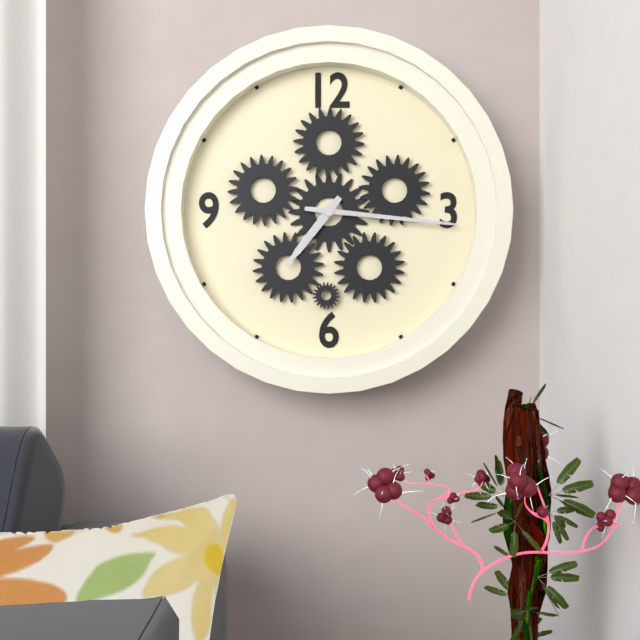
7h16
